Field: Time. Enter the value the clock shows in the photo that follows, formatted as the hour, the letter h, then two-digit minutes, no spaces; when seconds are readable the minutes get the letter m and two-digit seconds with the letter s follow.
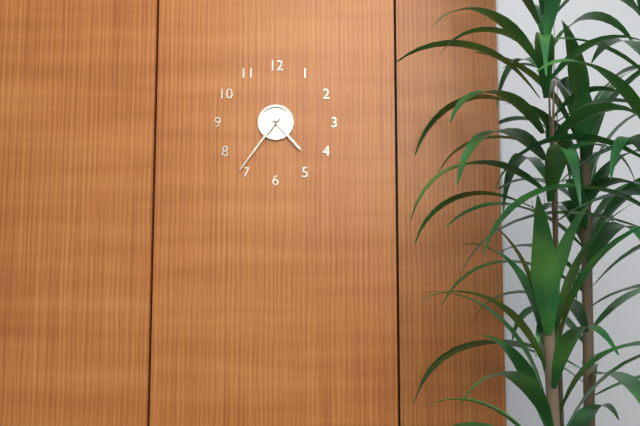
4h36
